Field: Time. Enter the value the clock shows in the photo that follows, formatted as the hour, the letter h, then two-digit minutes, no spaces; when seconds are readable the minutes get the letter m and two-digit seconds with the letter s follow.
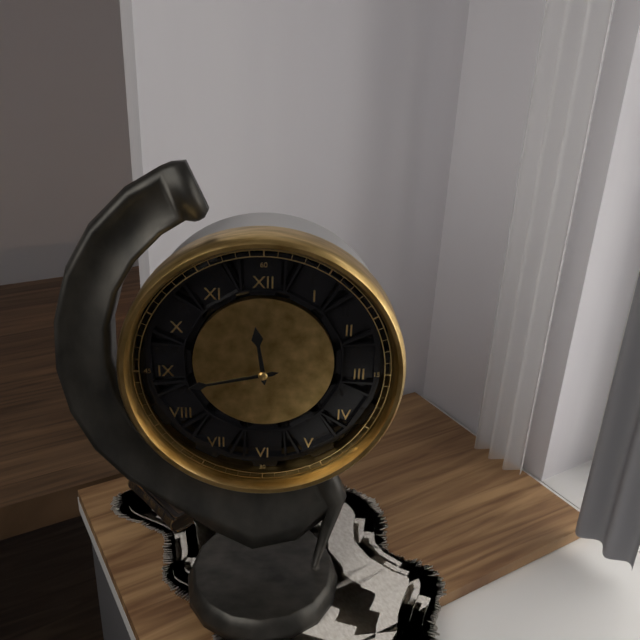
11h43
